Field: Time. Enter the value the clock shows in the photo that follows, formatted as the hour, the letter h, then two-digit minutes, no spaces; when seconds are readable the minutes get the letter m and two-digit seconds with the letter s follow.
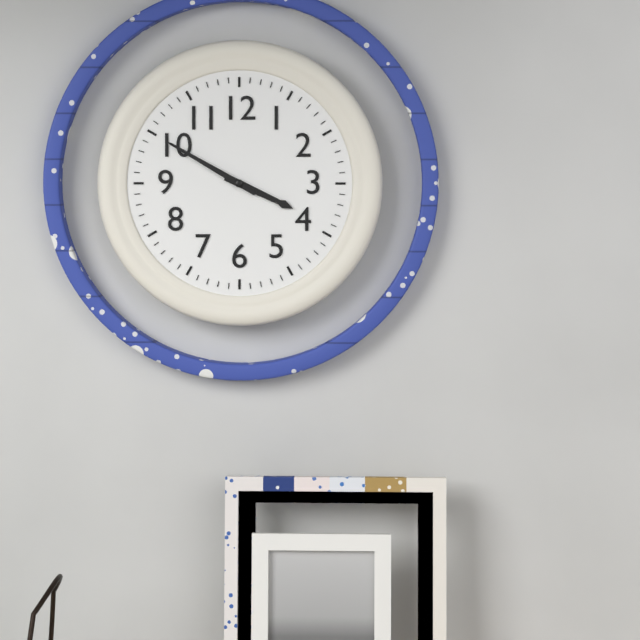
3h50
